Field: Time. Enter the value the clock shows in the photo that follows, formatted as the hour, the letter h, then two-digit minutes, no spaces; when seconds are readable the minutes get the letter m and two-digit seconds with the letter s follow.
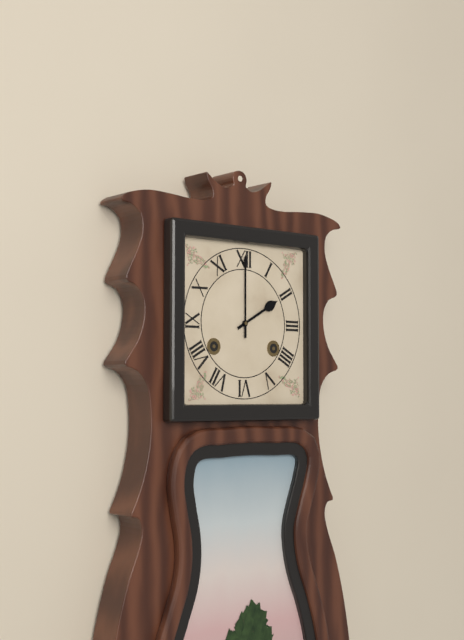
2h00
